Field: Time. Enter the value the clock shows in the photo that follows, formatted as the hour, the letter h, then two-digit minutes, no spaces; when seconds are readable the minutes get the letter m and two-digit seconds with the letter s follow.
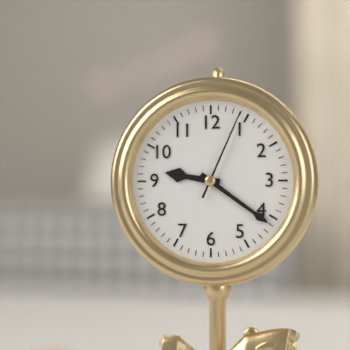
9h21m04s
